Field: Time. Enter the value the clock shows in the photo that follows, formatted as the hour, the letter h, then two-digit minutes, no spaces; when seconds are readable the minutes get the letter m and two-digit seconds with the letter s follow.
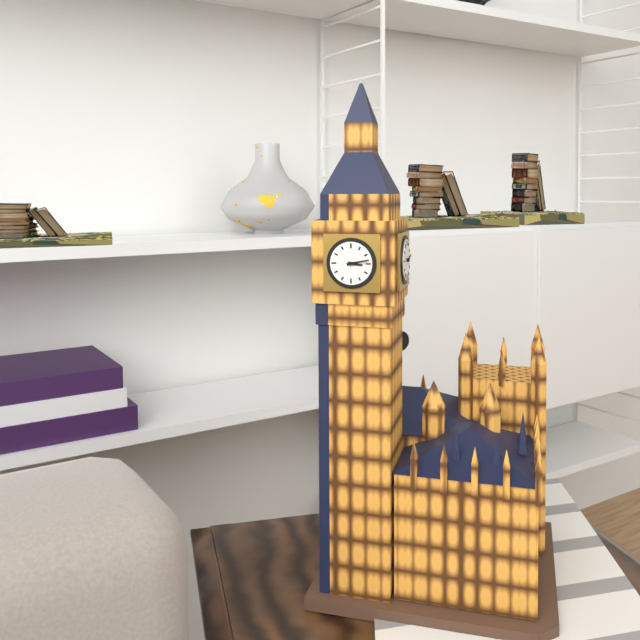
3h13
